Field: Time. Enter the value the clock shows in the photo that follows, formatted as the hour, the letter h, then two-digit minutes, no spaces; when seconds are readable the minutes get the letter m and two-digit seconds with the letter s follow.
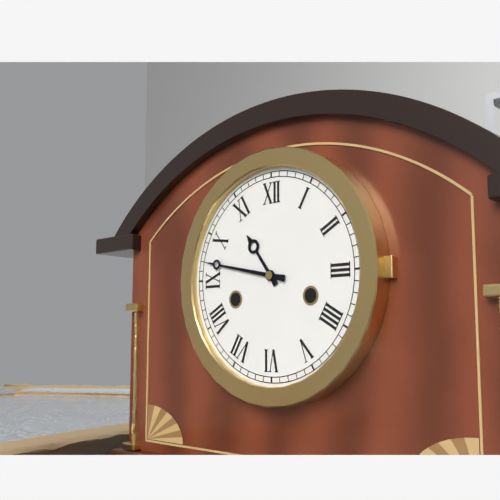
10h47
